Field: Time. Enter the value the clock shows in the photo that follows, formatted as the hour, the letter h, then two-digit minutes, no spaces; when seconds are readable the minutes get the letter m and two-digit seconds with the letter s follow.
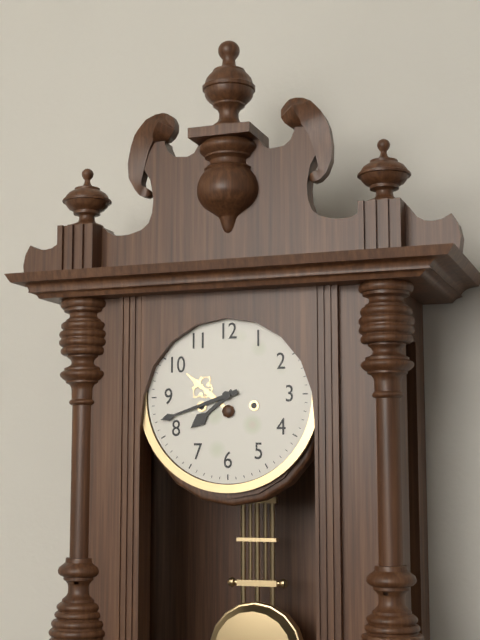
7h42
